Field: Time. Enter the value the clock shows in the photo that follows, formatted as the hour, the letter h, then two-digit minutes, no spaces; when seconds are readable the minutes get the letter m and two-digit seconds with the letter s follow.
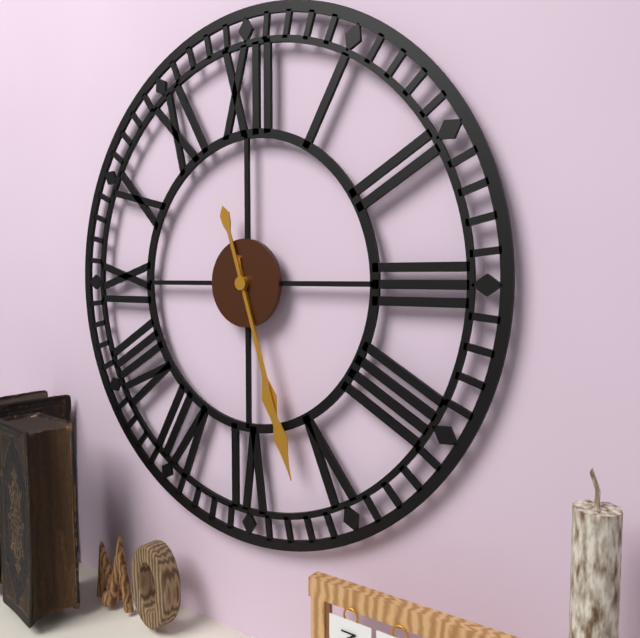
5h27
